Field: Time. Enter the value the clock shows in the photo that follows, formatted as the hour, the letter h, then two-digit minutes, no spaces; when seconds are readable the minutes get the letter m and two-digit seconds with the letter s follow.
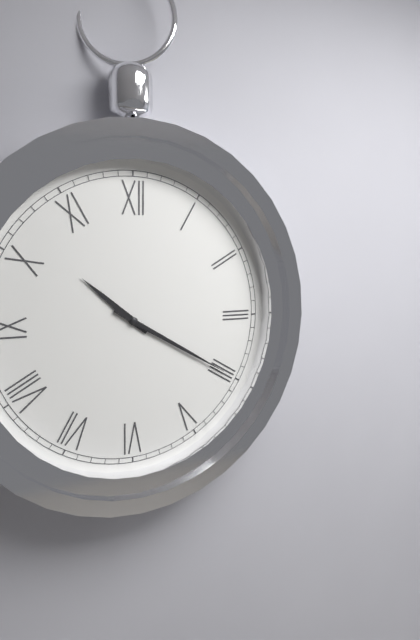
10h20
